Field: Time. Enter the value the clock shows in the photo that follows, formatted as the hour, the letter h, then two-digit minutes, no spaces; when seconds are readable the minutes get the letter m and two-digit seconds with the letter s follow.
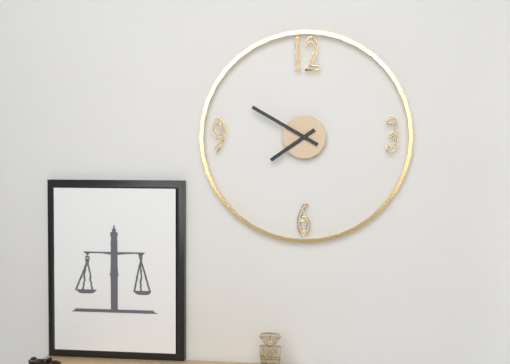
7h50
